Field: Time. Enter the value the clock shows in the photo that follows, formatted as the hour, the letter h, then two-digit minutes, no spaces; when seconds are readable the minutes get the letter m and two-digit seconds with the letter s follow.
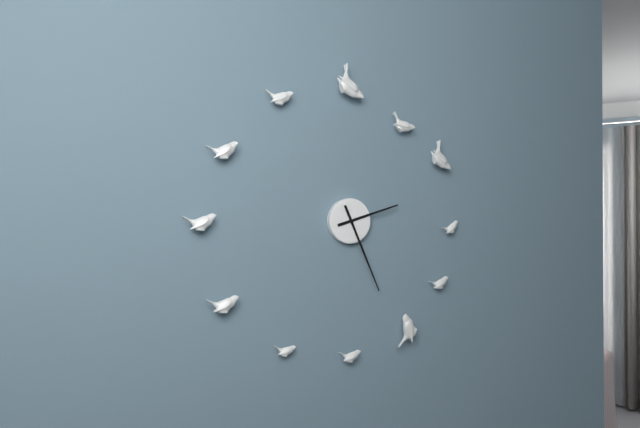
2h26
